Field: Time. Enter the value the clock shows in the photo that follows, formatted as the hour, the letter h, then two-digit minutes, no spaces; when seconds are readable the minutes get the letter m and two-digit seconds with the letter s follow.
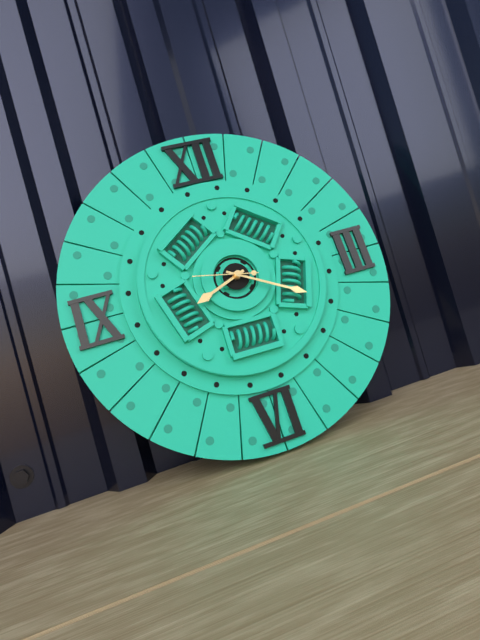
8h20
